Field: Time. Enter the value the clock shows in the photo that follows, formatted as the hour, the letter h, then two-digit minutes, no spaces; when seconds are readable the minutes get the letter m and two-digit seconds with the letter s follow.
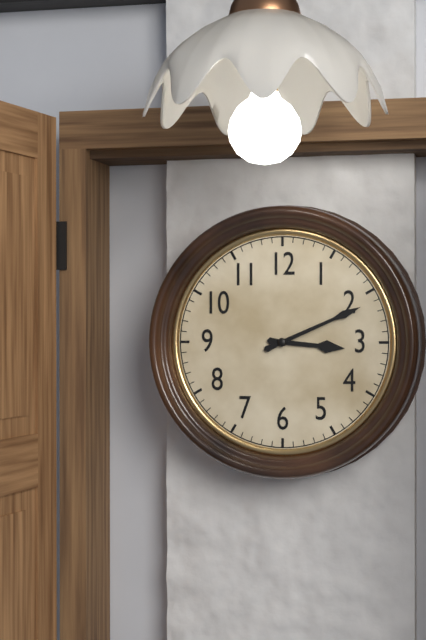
3h11
